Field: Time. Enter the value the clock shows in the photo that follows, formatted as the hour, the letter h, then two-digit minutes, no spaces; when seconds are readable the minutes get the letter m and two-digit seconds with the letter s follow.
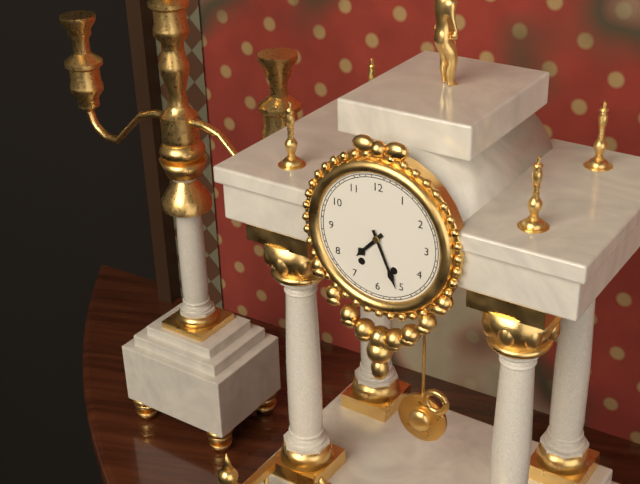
7h26
